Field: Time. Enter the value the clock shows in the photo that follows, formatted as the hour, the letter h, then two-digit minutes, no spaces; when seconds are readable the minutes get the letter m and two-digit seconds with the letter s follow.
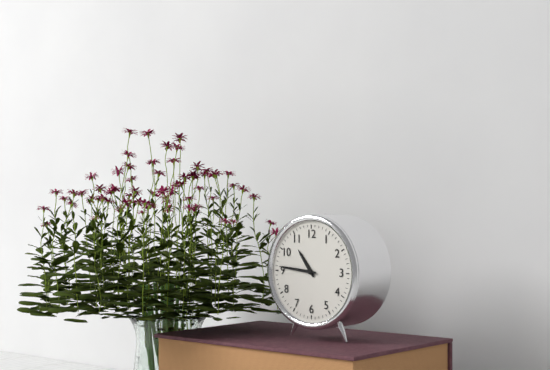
10h46
